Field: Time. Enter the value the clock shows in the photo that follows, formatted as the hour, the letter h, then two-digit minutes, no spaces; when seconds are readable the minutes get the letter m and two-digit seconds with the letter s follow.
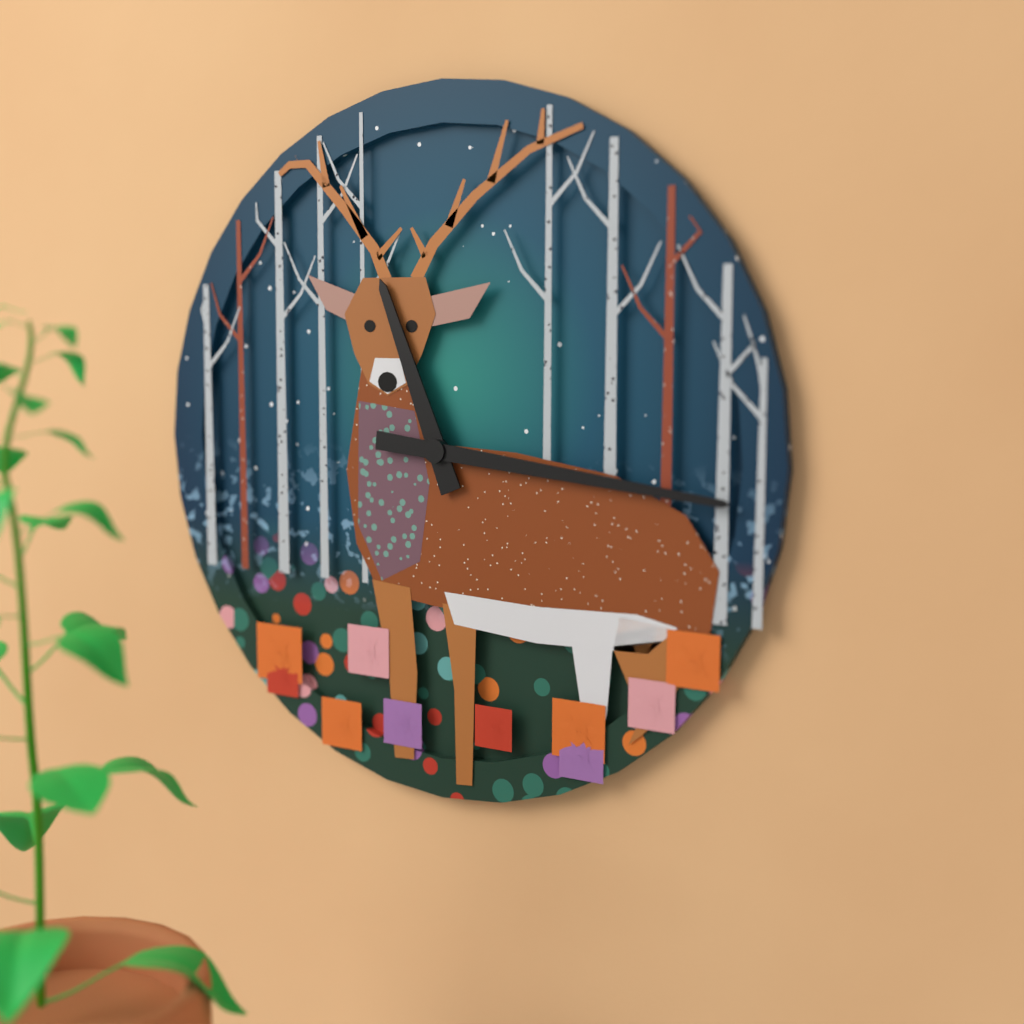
11h16
